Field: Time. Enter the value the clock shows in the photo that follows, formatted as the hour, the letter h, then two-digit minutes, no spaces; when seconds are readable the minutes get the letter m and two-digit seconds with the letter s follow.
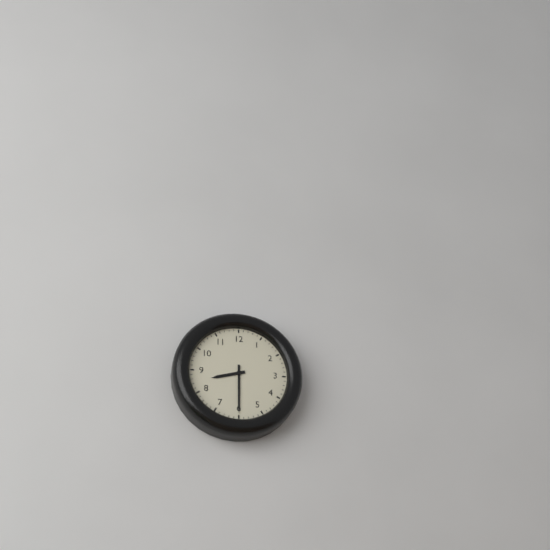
8h30
